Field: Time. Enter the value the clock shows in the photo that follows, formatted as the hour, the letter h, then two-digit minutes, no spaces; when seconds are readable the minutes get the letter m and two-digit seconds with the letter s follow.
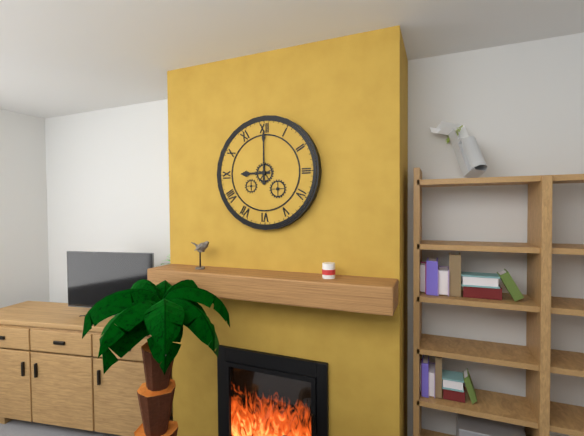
9h00
